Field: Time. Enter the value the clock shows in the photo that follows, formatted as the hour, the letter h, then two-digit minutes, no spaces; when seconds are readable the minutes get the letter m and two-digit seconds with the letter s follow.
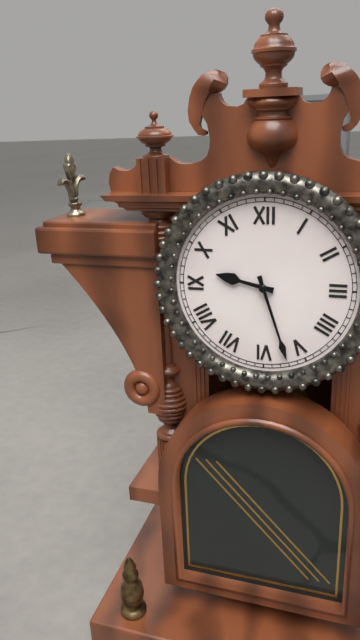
9h27
